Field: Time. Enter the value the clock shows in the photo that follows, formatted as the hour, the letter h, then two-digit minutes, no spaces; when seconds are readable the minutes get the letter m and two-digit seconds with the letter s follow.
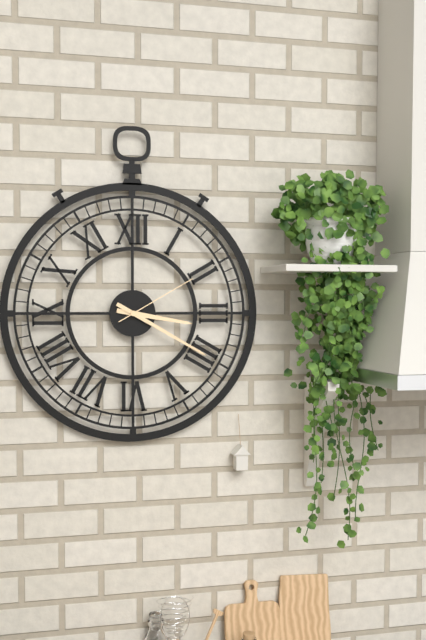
3h20m10s
